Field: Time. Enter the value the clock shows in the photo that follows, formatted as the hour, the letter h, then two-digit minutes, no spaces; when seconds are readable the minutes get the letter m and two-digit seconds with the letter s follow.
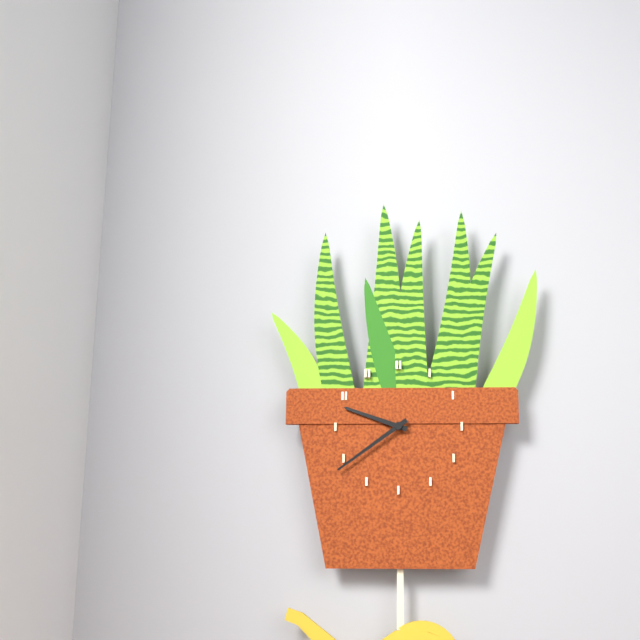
9h39
